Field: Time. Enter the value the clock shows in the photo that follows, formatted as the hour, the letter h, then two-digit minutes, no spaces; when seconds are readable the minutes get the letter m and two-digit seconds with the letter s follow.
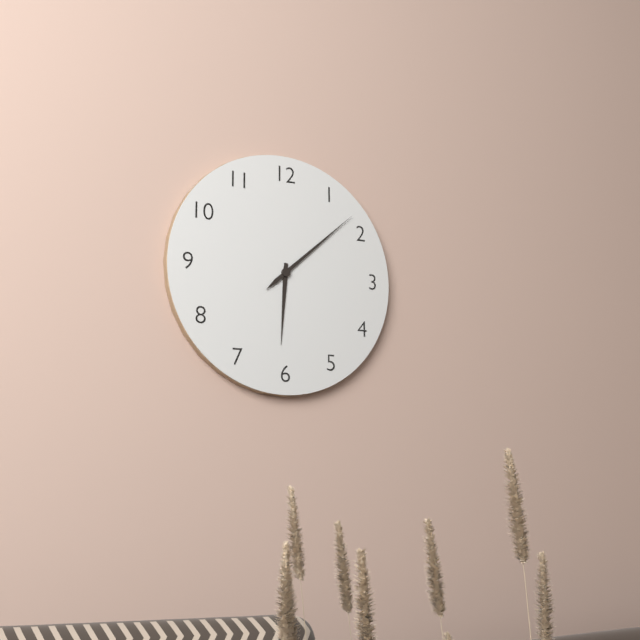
6h08
